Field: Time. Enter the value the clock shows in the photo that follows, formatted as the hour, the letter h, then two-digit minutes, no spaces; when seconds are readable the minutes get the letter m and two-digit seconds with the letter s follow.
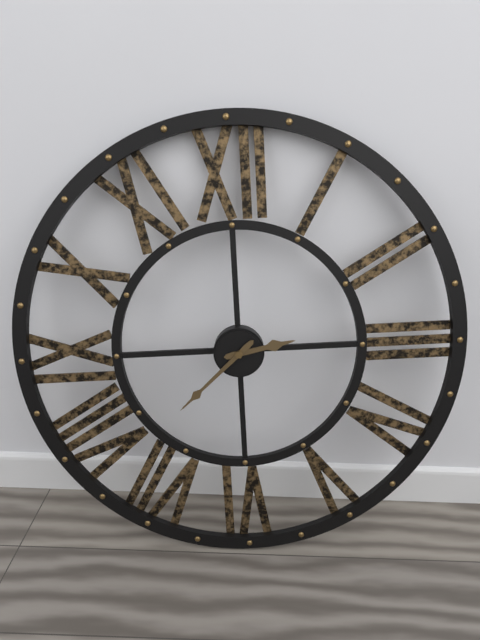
2h38
